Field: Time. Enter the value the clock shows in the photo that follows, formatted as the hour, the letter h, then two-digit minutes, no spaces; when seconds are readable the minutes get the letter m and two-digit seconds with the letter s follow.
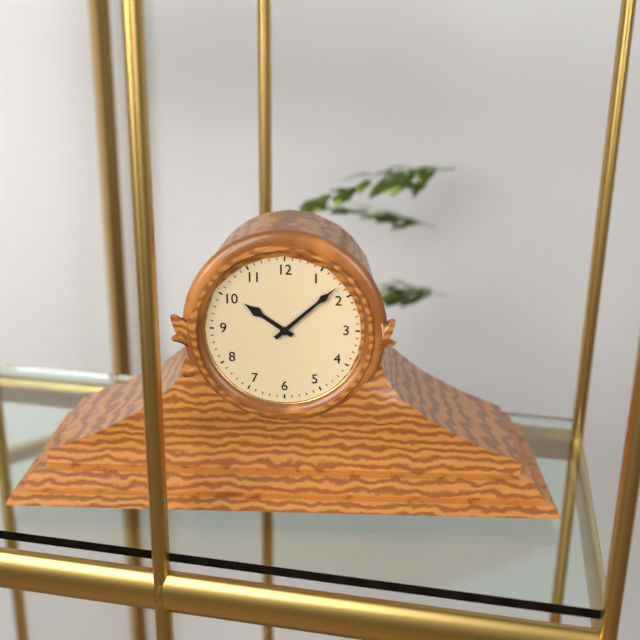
10h08
